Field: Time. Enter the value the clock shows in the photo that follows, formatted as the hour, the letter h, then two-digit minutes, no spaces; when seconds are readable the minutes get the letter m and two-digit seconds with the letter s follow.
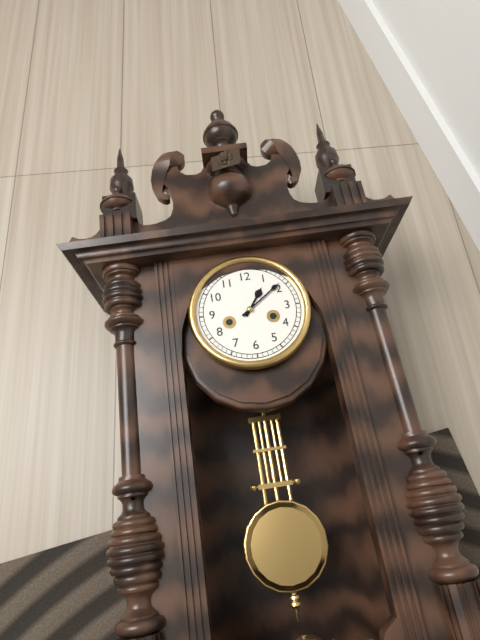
1h09
